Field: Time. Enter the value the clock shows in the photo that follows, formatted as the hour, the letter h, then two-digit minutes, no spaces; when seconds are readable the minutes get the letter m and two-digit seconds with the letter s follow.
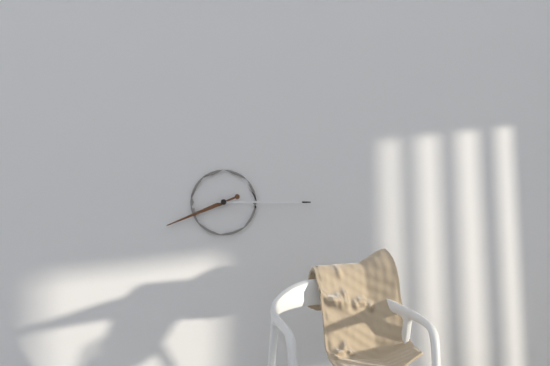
8h15
